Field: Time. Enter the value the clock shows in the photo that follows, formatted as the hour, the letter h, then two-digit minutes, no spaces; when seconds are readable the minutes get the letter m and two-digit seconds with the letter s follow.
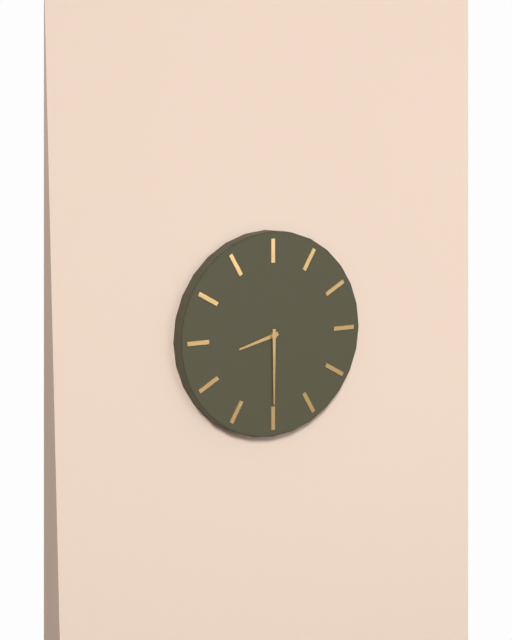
8h30
